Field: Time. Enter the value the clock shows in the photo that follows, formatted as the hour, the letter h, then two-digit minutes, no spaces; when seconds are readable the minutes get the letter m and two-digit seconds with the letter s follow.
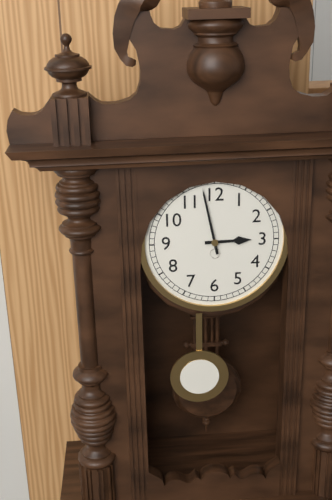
2h58
